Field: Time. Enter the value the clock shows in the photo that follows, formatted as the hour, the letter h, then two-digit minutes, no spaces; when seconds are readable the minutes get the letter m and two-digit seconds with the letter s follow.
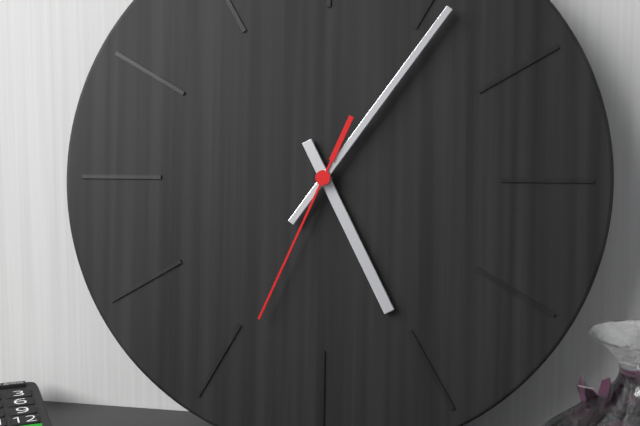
5h06m34s
